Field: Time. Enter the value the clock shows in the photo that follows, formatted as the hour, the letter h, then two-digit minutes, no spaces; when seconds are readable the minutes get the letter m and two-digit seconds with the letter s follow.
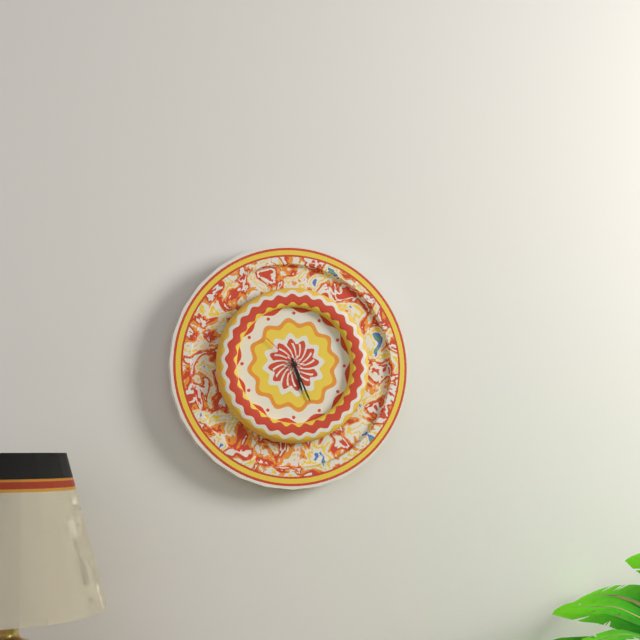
5h26
